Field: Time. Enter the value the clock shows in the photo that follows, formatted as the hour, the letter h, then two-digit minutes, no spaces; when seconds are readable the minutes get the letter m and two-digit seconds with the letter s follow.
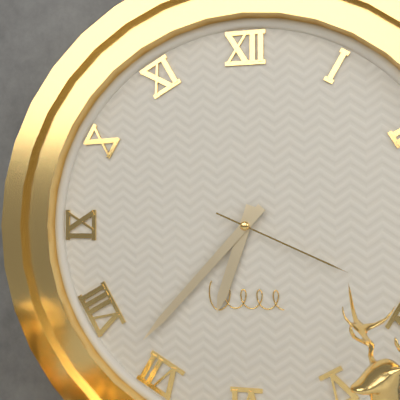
6h37m19s
